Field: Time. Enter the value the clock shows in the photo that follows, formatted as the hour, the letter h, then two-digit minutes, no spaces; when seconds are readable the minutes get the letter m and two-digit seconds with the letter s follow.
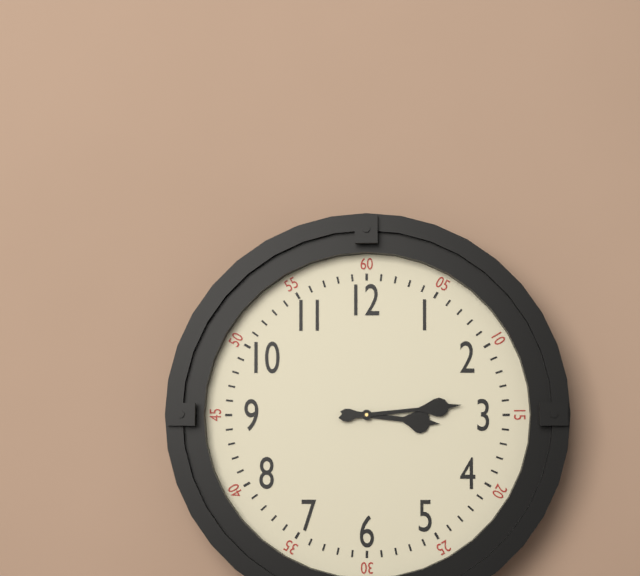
3h14
